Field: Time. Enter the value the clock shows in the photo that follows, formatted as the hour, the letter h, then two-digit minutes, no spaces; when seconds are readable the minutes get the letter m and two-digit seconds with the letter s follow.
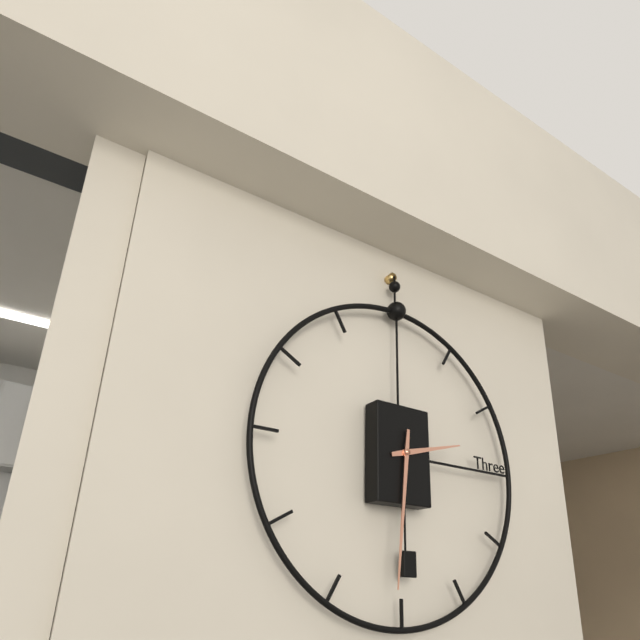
2h31
